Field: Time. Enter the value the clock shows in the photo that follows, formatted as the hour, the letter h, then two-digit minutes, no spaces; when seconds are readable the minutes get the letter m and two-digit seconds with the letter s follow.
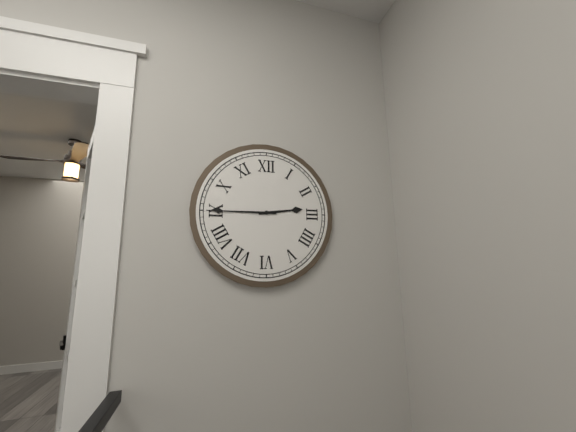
2h45
